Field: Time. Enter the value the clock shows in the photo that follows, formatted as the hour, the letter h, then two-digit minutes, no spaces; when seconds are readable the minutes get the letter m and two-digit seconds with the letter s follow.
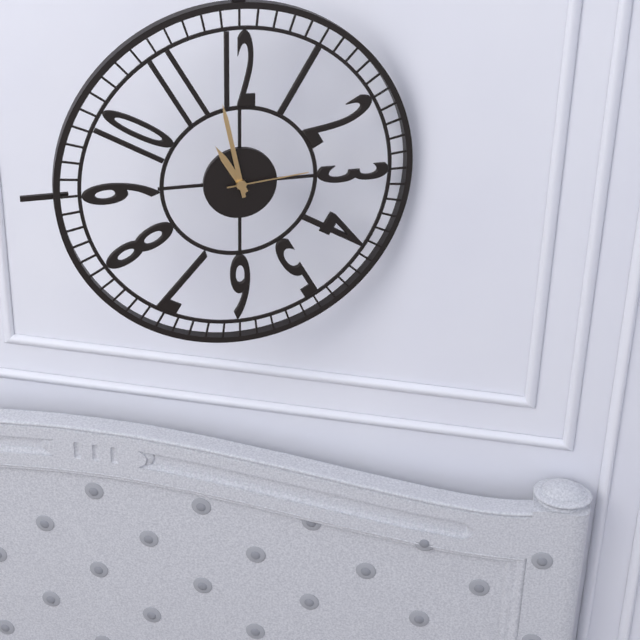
10h58m14s
